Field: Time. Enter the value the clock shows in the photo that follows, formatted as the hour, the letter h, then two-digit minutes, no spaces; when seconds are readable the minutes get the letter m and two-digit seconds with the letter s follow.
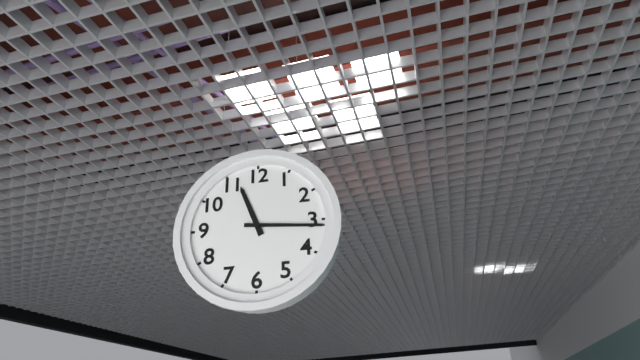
11h16
